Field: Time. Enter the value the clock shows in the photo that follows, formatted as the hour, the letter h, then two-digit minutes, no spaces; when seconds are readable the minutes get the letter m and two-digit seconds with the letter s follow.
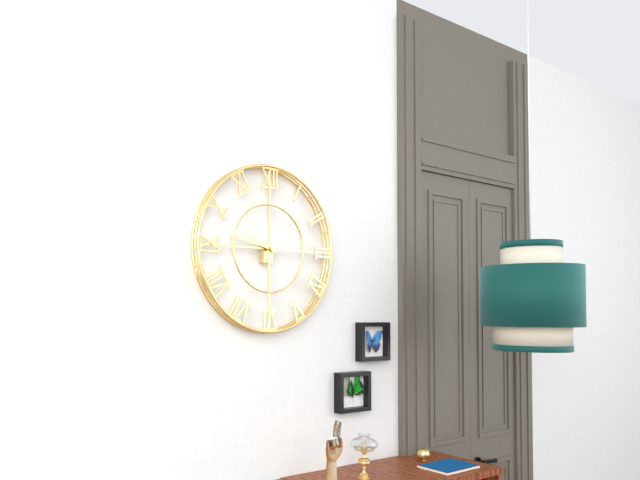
9h47
